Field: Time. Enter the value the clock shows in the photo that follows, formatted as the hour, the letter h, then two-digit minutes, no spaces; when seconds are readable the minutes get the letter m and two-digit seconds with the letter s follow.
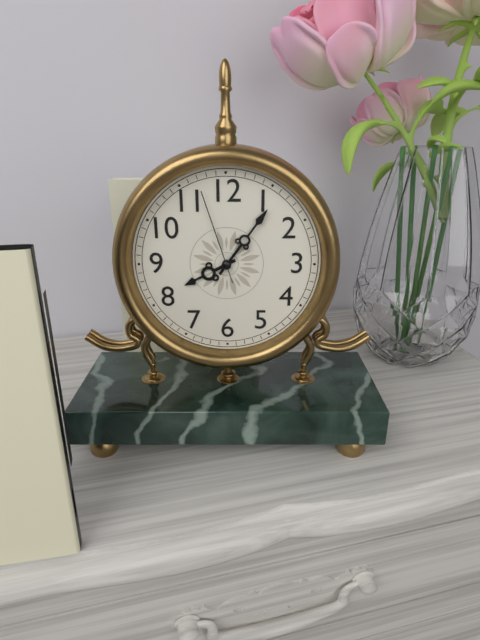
8h06m57s
